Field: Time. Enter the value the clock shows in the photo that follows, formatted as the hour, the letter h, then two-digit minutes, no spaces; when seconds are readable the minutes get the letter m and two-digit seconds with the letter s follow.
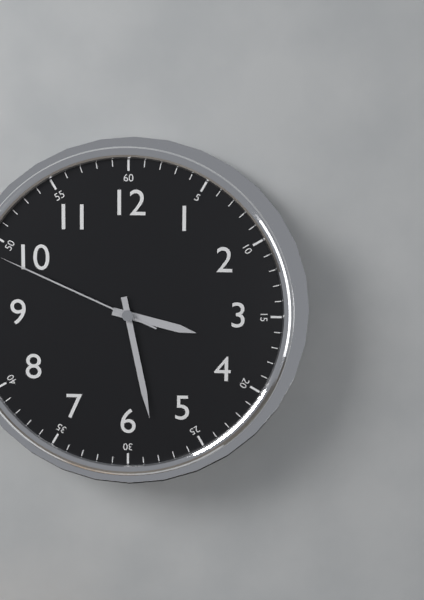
3h28
